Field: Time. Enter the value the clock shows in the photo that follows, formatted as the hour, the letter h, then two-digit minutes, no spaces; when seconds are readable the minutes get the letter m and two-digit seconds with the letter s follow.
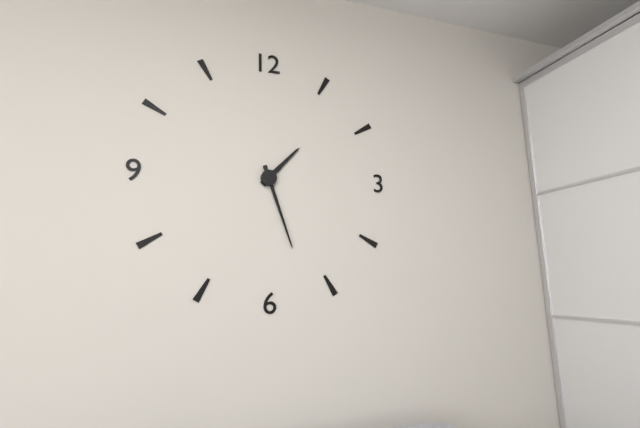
1h27
